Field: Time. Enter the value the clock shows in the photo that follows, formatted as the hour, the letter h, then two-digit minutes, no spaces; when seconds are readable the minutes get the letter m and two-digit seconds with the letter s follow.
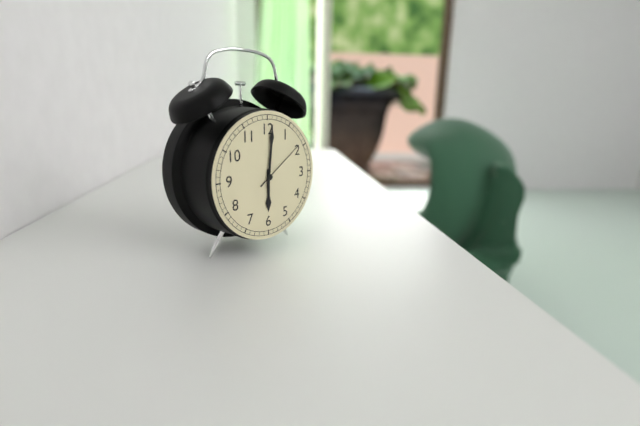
6h01m09s
